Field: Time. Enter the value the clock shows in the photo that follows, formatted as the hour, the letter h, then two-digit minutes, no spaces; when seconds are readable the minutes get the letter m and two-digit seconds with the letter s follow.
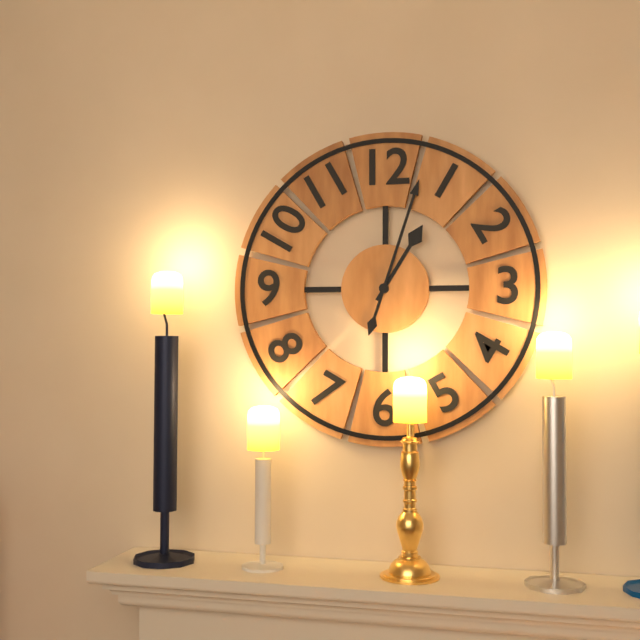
1h03
